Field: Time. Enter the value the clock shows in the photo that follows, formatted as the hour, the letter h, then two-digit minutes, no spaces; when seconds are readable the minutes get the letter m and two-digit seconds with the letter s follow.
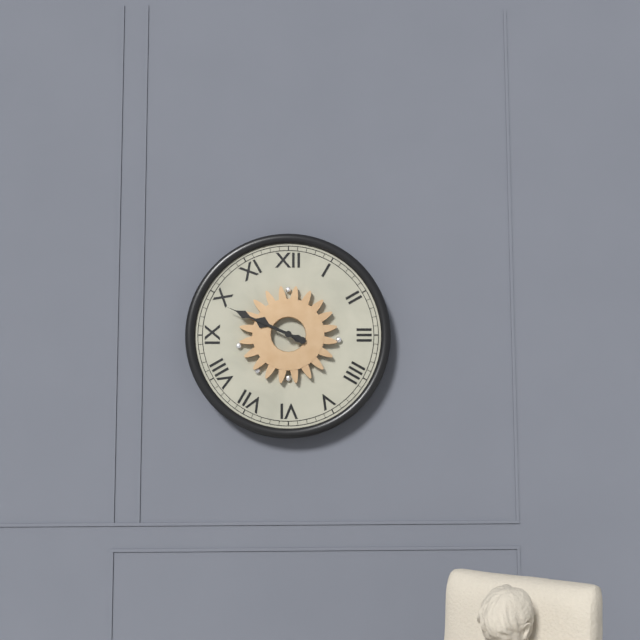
9h49
